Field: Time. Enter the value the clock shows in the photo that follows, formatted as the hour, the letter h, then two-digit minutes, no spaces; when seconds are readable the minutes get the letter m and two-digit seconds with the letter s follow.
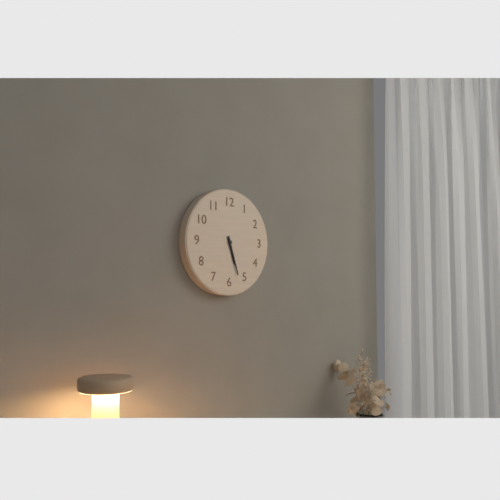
5h27
